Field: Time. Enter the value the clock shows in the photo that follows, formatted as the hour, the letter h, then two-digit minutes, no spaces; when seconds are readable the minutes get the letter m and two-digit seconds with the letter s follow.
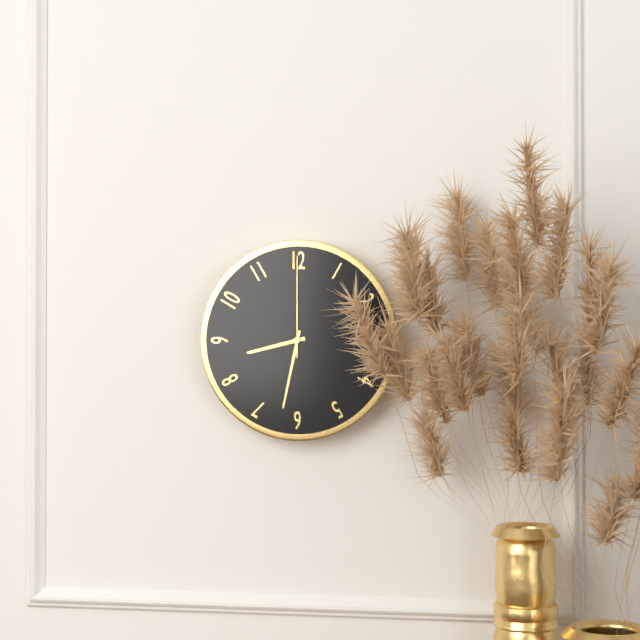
8h32m00s
